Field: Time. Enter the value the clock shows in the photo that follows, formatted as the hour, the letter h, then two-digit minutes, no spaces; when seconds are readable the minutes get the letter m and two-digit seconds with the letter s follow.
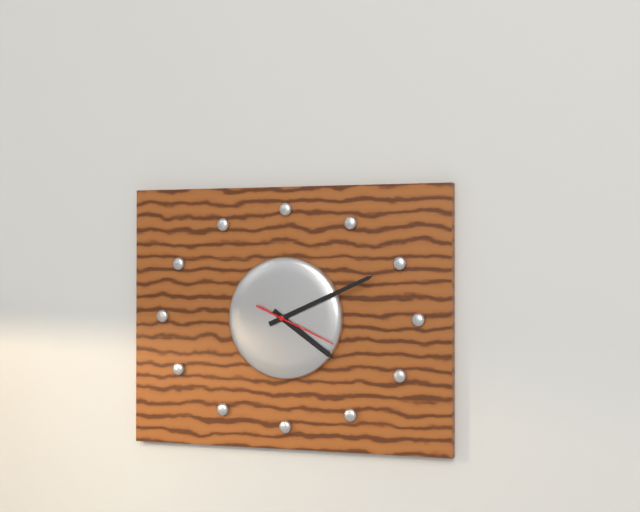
4h11m19s
